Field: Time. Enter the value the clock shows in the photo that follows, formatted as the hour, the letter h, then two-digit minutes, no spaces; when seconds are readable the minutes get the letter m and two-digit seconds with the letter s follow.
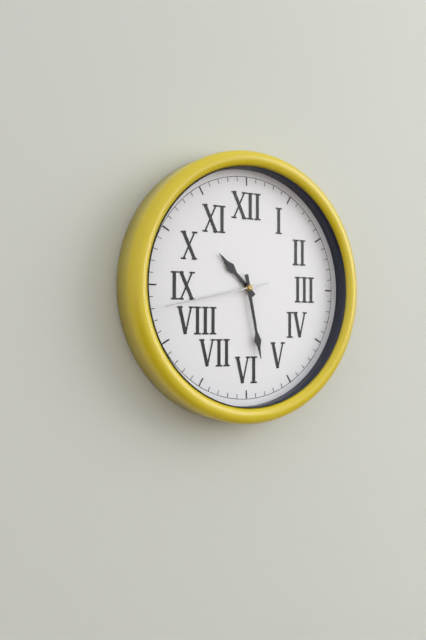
10h28m43s
